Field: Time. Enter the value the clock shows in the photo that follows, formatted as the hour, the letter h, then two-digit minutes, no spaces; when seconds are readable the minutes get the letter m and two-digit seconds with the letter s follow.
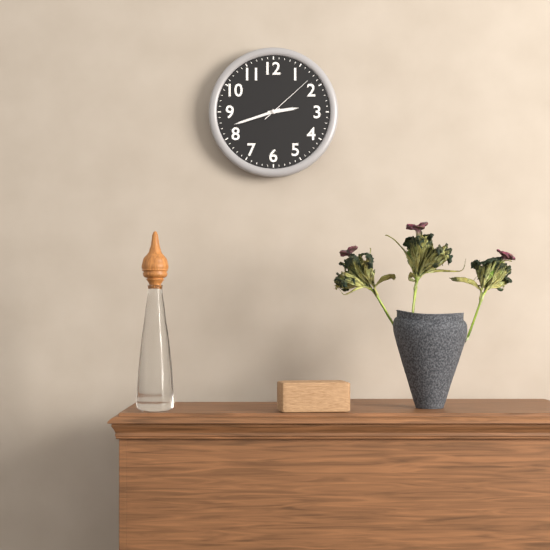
2h42m08s
